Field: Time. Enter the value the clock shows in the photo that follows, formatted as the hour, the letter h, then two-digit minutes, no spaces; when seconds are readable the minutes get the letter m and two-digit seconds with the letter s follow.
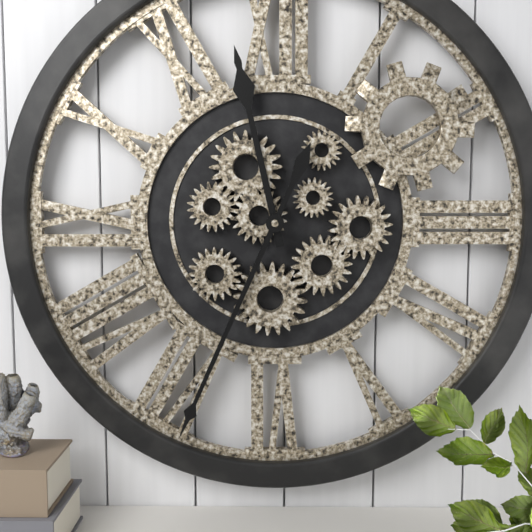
11h34
